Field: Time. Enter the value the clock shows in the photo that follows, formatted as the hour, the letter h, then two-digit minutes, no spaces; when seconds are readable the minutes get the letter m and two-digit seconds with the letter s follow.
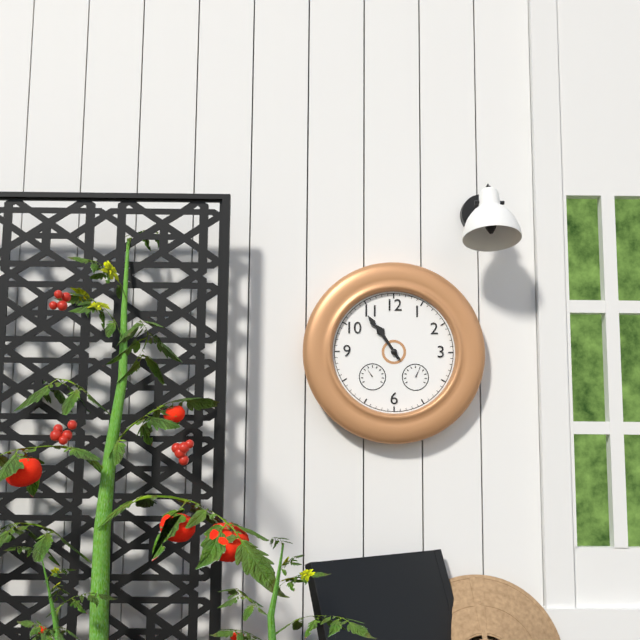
10h54
